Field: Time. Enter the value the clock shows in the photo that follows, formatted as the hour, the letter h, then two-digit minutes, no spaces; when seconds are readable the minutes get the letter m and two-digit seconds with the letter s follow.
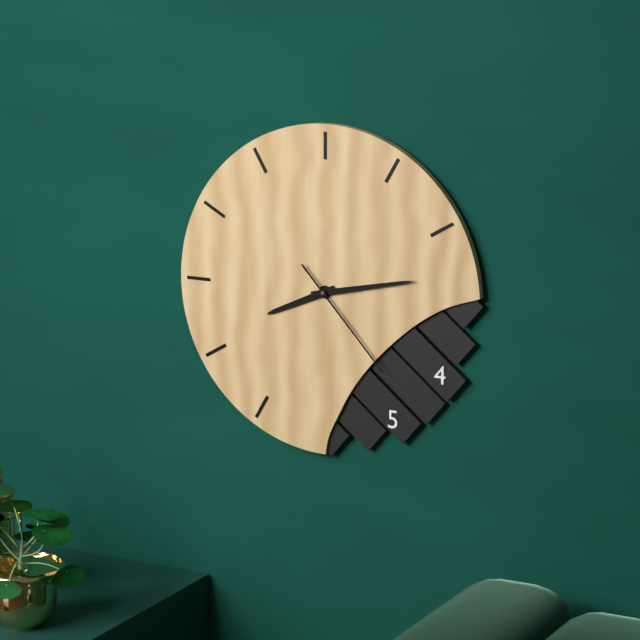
8h13m23s
